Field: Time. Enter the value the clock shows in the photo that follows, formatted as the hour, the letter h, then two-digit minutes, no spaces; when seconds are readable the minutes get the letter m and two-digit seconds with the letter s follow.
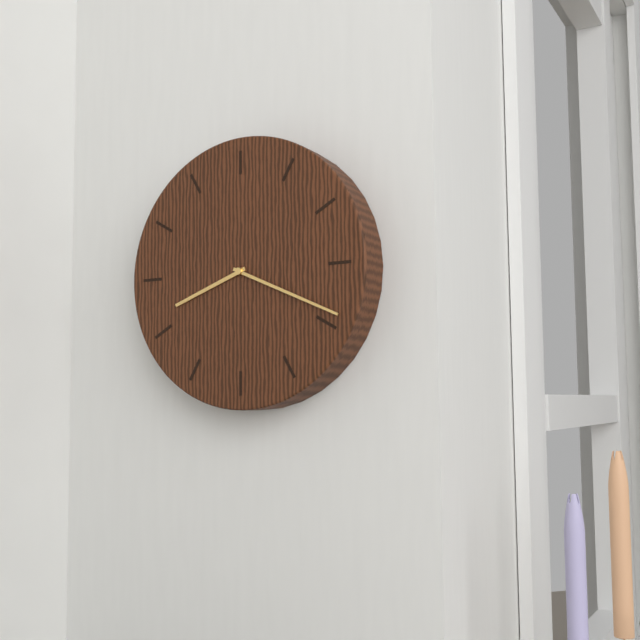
8h19
